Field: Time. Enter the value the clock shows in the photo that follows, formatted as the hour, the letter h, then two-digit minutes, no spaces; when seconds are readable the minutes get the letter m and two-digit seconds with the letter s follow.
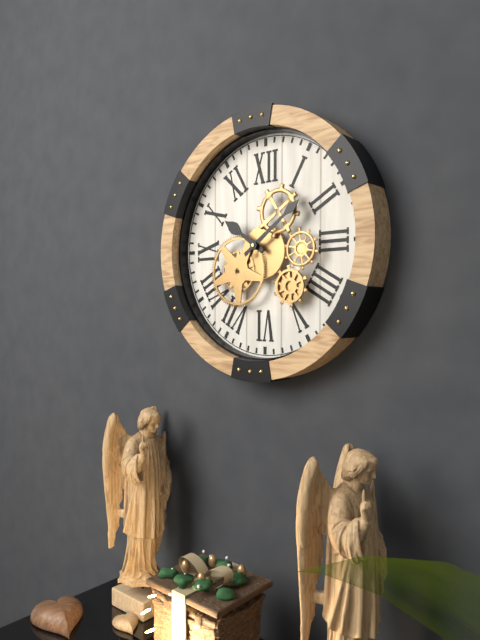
10h09
